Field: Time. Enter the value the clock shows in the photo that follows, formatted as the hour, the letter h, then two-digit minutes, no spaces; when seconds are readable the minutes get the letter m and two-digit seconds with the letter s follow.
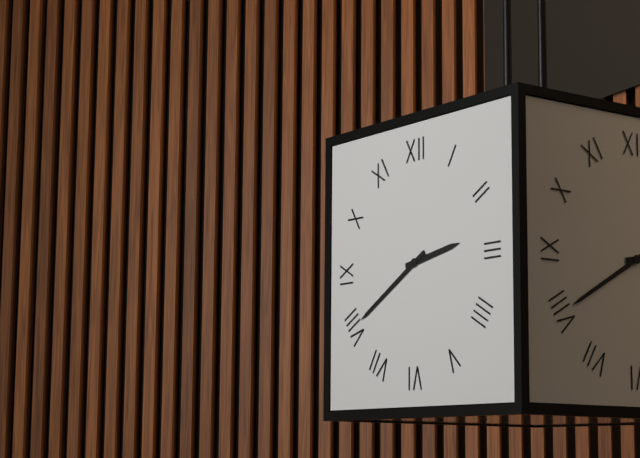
2h40
